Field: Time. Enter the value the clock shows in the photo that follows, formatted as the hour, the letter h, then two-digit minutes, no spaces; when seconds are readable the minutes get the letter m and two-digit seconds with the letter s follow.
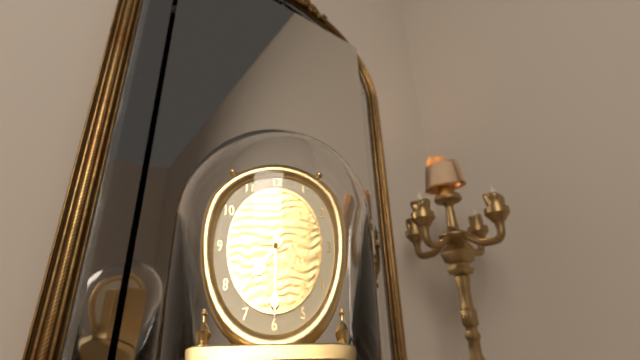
7h30
